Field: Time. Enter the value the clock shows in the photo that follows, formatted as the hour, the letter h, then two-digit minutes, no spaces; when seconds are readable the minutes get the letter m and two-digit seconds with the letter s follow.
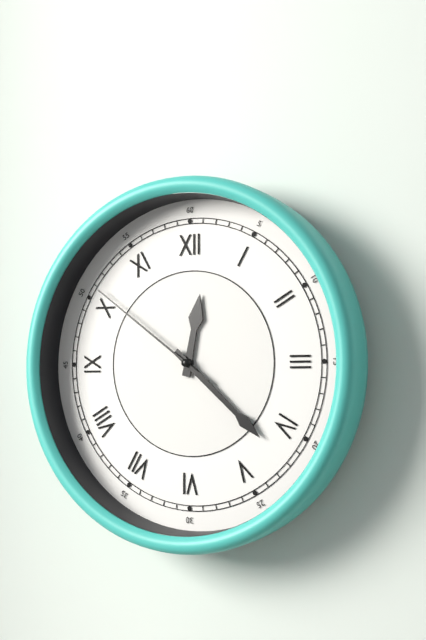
12h22m51s
